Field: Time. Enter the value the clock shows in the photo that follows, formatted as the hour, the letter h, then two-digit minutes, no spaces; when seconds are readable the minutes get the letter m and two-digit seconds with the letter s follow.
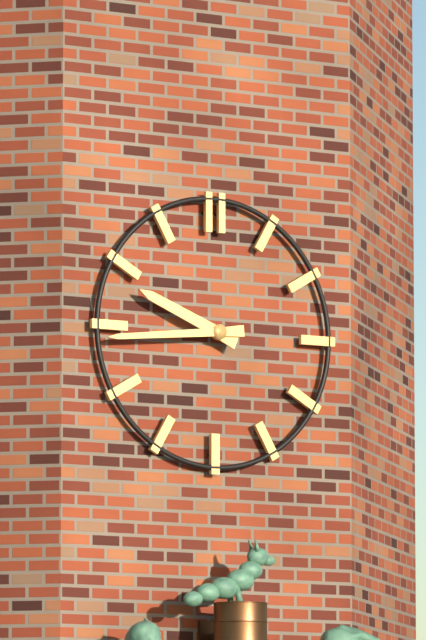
9h44
